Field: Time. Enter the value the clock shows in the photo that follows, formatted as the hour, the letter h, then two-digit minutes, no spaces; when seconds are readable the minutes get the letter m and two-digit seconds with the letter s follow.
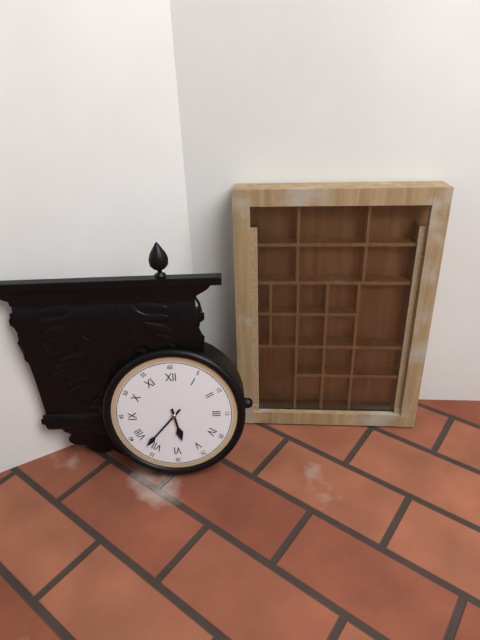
5h37
